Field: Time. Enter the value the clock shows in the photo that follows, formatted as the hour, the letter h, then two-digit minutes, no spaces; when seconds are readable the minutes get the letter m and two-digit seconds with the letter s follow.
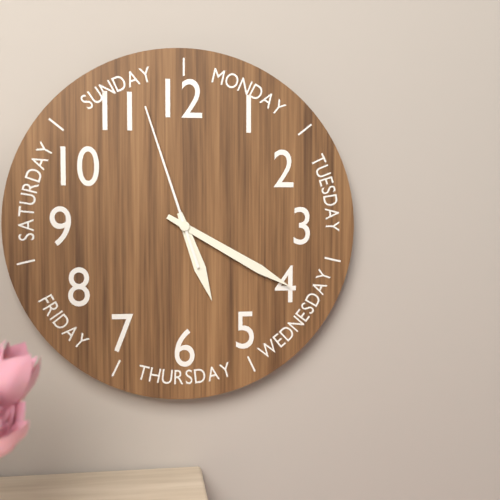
5h20m57s
